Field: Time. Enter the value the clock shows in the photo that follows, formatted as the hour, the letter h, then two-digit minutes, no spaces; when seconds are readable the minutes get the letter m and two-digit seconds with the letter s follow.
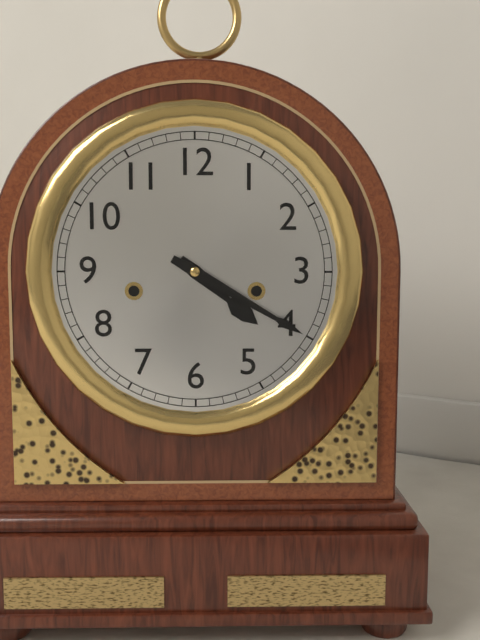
4h20
